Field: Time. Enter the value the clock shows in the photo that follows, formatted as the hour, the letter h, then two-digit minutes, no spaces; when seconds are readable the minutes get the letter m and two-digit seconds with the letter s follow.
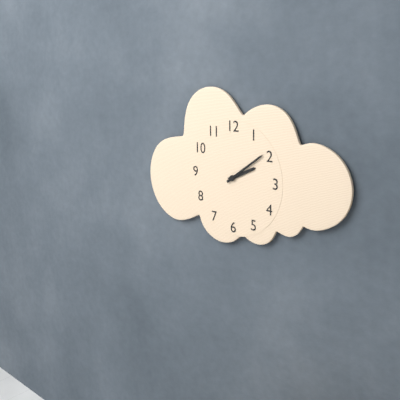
2h09
